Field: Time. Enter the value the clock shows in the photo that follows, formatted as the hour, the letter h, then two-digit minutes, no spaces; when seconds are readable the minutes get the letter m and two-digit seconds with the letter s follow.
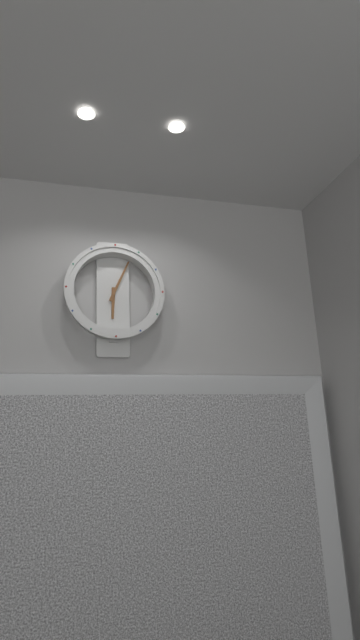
6h04
